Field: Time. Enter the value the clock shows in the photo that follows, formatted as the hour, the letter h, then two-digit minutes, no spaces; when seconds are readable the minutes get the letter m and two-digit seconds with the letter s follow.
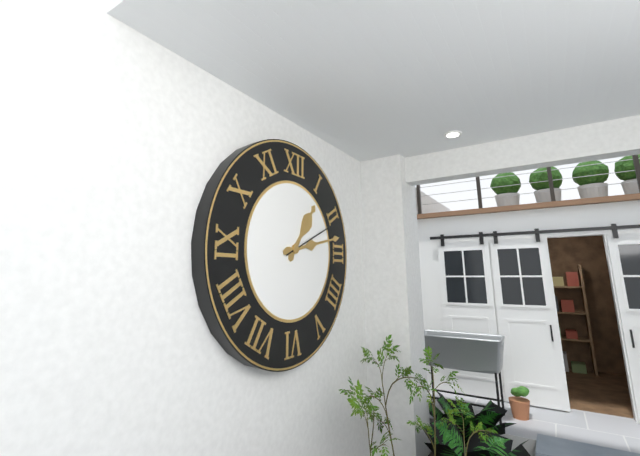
1h13m11s
